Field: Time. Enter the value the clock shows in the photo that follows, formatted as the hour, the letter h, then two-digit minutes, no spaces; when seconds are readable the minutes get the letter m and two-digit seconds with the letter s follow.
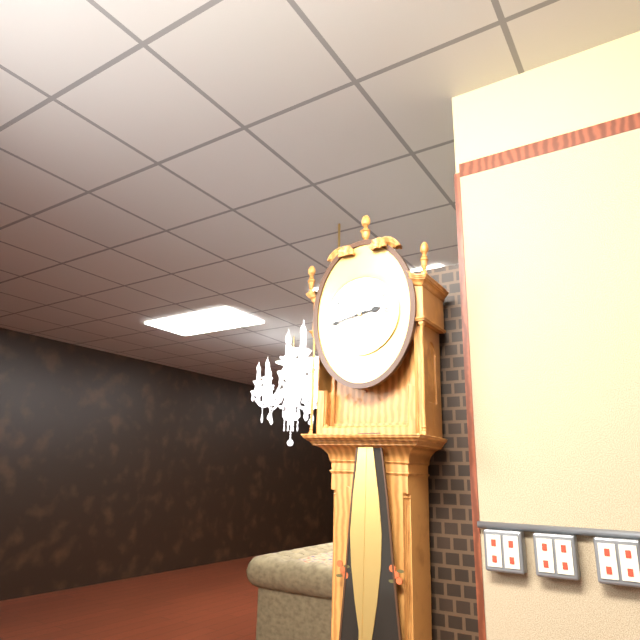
2h43
